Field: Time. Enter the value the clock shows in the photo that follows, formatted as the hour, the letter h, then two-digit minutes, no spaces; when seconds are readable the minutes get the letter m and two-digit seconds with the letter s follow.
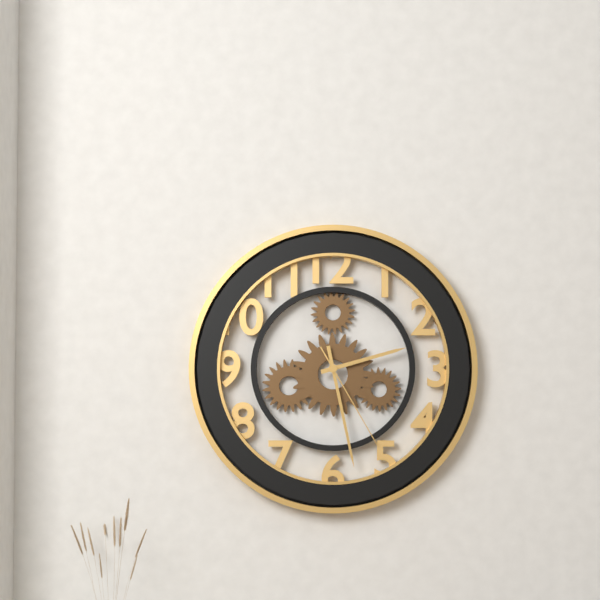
2h28m25s
